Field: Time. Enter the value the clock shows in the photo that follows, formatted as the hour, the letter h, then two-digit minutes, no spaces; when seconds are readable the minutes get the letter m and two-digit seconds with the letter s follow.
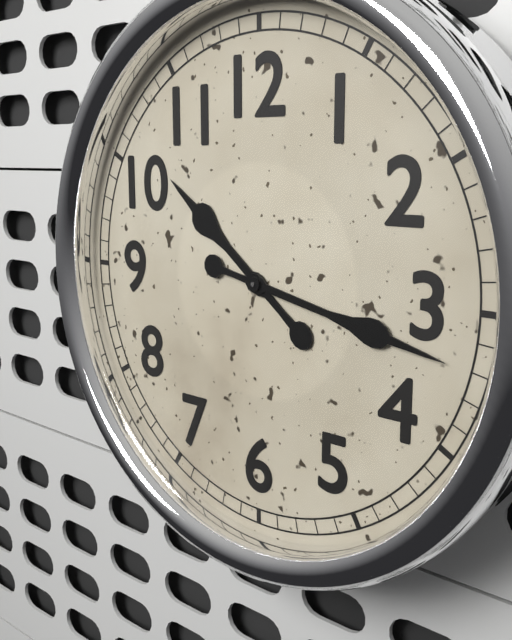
10h17
